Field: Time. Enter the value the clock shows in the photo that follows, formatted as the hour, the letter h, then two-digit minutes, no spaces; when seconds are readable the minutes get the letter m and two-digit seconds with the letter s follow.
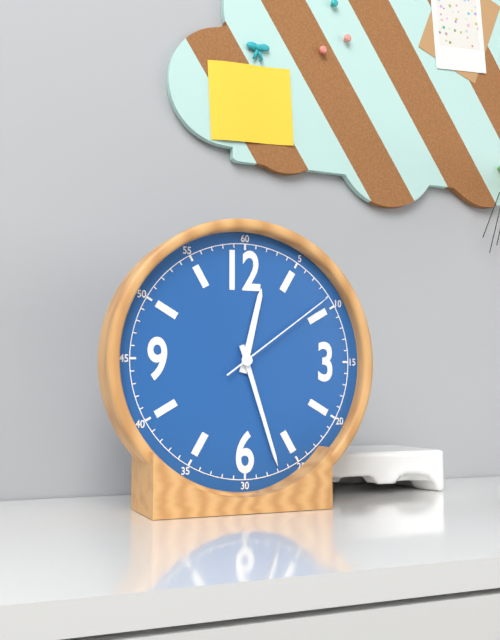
12h27m09s
